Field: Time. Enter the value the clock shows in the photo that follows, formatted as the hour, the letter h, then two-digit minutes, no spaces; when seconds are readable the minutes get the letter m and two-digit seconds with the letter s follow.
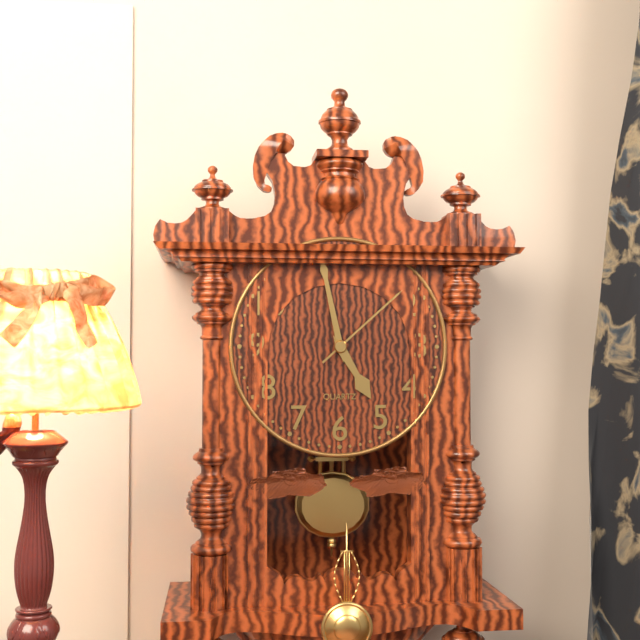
4h58m08s
